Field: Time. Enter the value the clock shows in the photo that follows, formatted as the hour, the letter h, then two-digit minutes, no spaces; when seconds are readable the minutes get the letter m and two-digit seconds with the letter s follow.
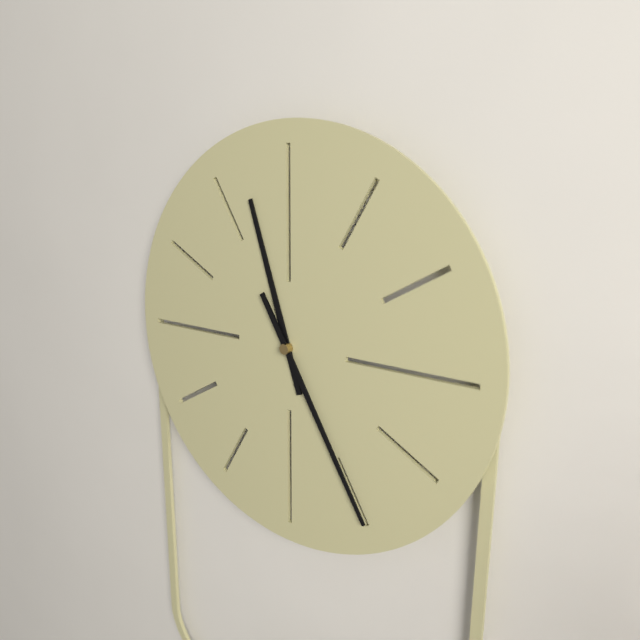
11h25
